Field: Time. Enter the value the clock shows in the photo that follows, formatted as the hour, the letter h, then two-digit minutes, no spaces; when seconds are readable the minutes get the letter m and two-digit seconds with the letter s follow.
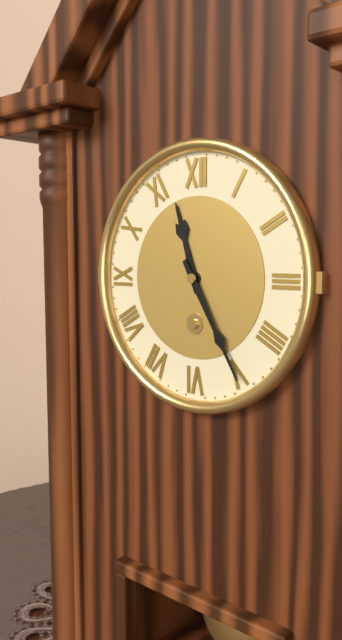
11h25
